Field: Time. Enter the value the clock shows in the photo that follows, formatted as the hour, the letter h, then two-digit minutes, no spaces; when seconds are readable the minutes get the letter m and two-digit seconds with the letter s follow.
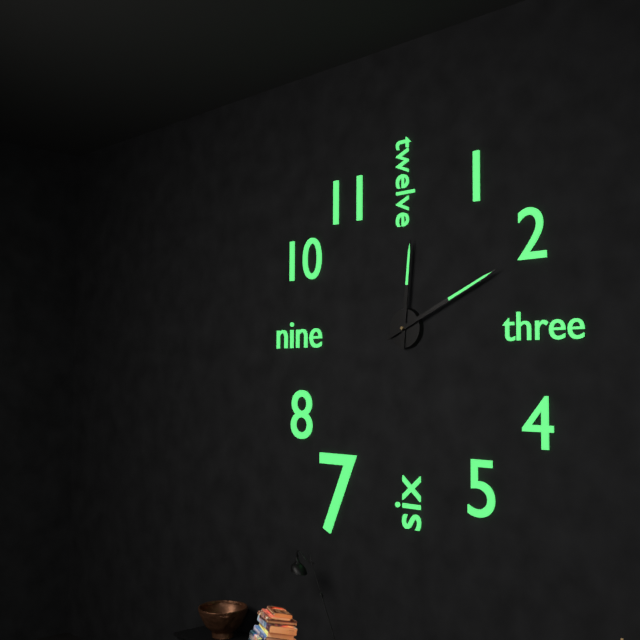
12h11
